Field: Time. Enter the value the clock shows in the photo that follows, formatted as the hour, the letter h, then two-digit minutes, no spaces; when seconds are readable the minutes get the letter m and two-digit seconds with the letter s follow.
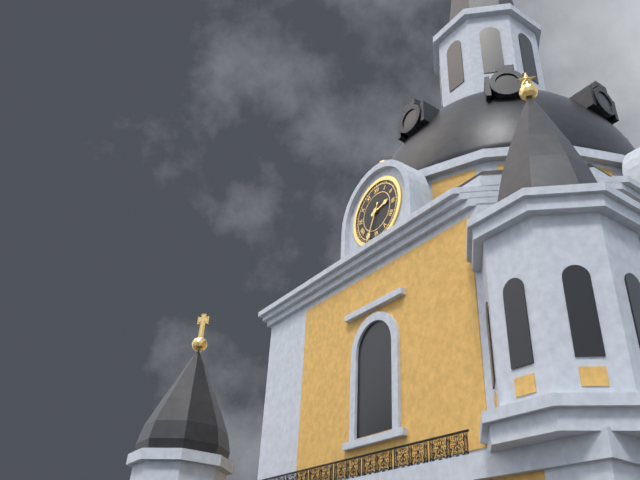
2h34
